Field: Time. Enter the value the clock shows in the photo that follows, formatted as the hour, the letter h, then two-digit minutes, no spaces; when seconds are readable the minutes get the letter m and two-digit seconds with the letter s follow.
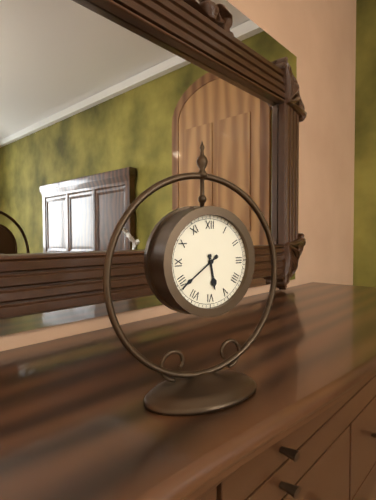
5h39
